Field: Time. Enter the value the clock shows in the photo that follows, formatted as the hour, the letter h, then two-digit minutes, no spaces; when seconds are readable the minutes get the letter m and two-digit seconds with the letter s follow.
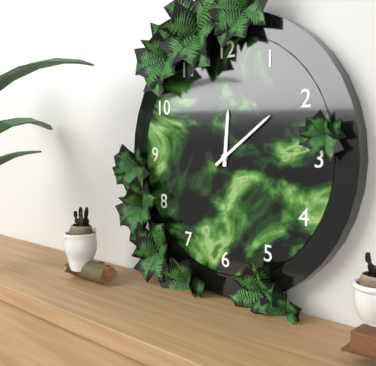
12h09
